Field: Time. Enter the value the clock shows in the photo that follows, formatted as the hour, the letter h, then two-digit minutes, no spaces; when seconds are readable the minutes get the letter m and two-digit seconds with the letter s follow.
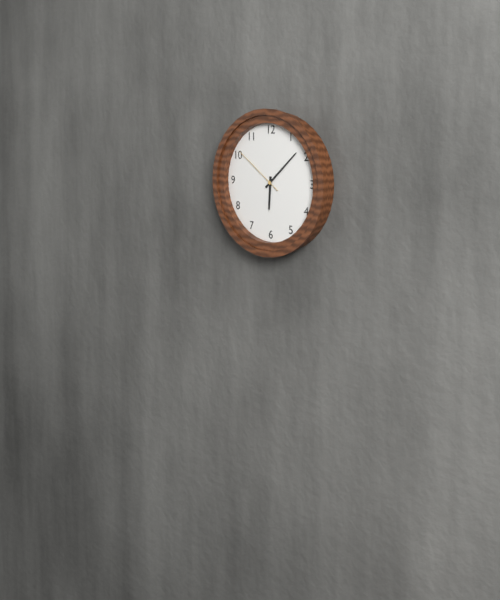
6h08m51s
